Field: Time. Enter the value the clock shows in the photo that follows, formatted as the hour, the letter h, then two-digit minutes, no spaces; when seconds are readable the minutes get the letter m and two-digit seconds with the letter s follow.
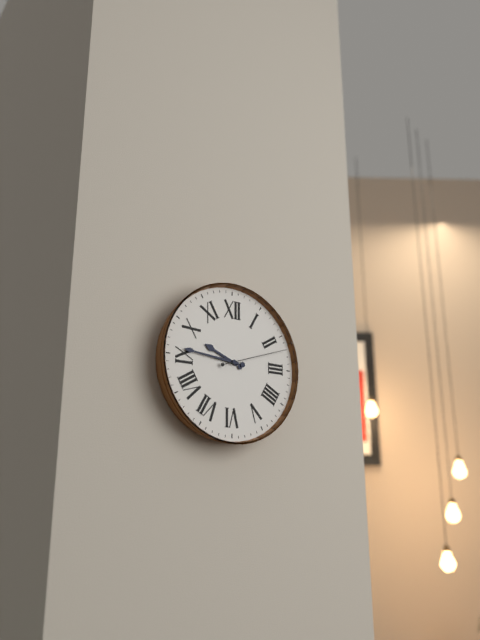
9h46m12s
